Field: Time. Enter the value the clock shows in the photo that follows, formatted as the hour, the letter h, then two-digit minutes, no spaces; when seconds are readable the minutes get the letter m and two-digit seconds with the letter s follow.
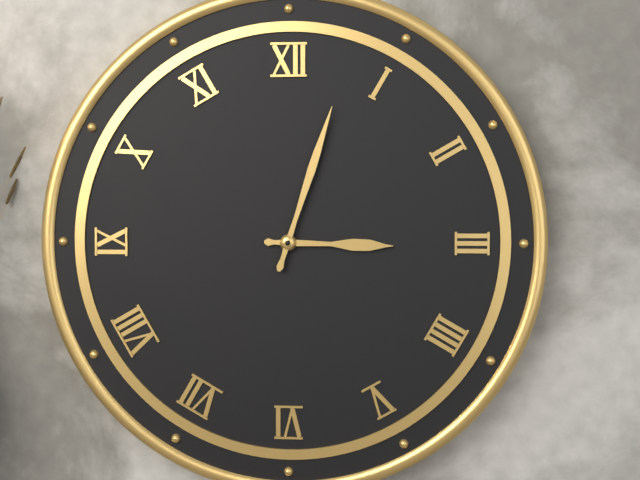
3h03
